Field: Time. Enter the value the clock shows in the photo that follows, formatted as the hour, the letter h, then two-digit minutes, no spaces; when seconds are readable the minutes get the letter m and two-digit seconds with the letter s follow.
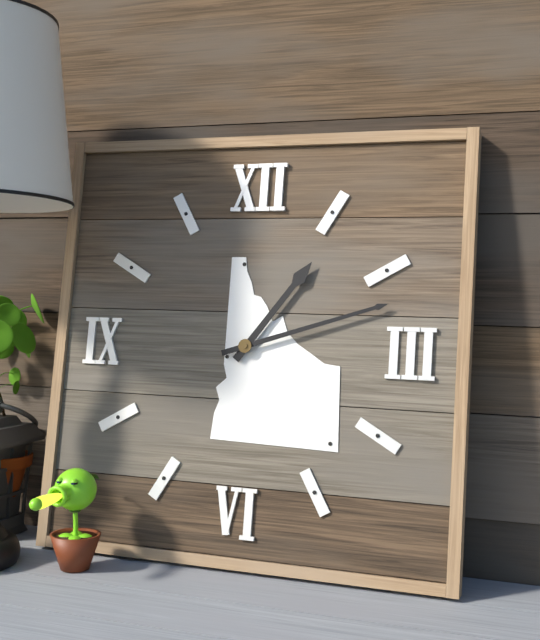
1h12
